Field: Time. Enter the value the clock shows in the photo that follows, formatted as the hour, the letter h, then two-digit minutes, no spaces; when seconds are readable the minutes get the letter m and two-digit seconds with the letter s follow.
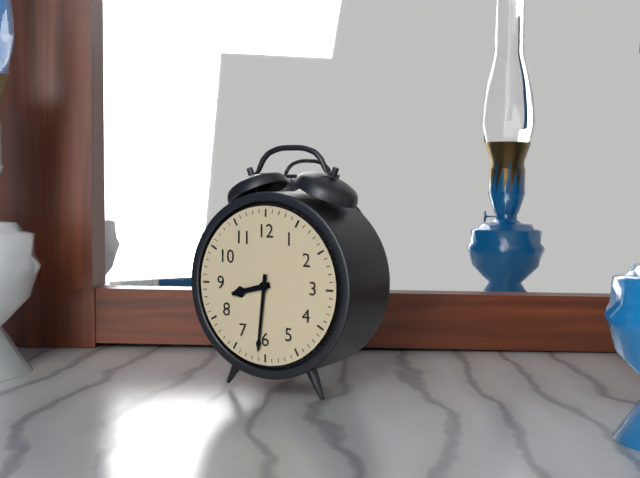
8h31
